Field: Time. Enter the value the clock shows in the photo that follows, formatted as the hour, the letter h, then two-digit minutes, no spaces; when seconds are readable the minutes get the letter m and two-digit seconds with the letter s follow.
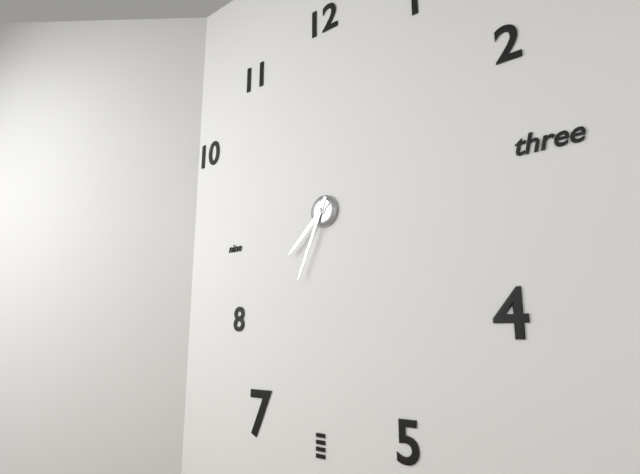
7h34
